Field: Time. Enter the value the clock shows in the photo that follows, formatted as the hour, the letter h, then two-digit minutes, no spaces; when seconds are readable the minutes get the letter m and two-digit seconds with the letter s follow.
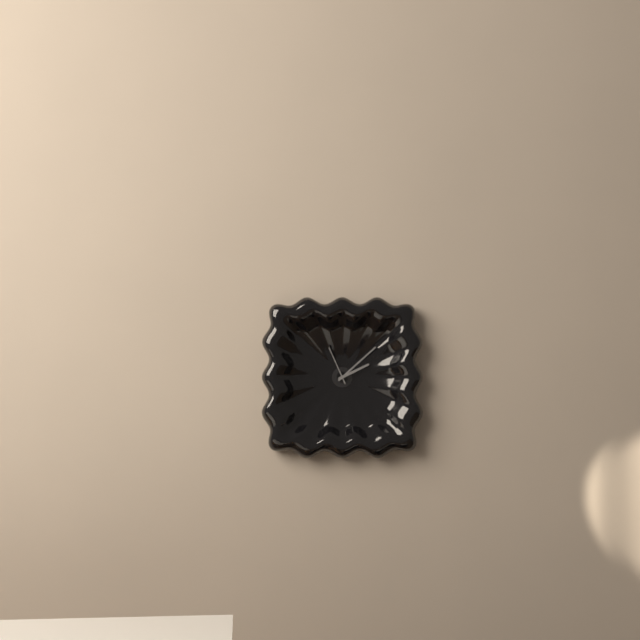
2h08
